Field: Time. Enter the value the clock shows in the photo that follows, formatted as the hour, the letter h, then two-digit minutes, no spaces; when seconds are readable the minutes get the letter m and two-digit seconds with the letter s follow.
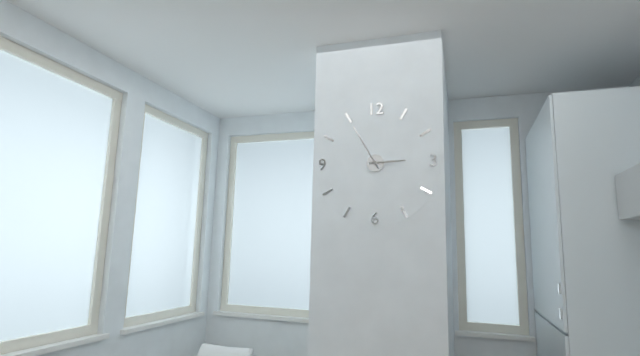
2h55
